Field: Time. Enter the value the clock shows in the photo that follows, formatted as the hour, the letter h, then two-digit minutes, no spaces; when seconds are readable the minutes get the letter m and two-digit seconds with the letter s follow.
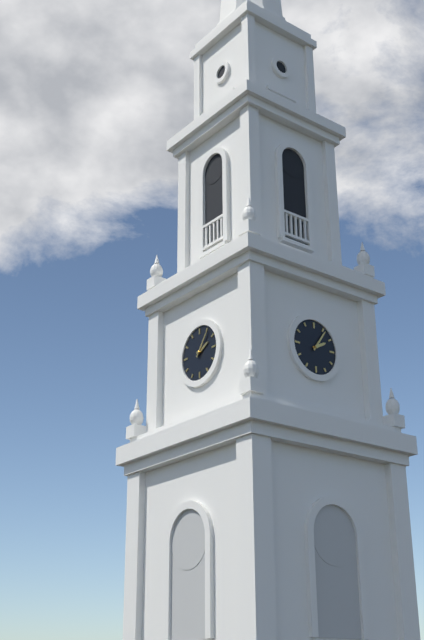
2h06
